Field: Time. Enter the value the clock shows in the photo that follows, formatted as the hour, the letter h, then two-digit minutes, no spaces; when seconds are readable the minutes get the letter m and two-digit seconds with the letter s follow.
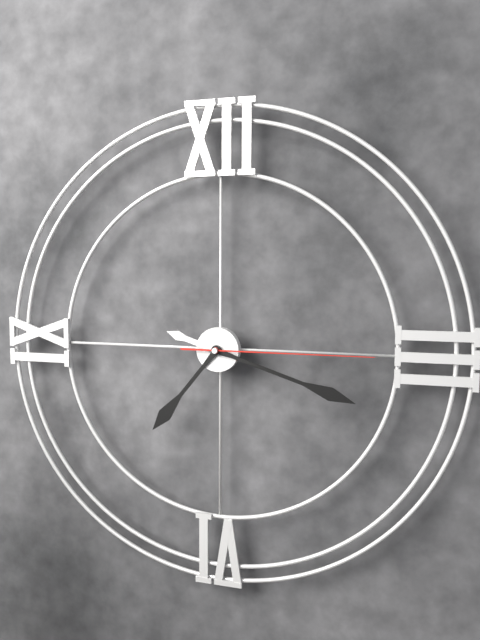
7h18m15s
